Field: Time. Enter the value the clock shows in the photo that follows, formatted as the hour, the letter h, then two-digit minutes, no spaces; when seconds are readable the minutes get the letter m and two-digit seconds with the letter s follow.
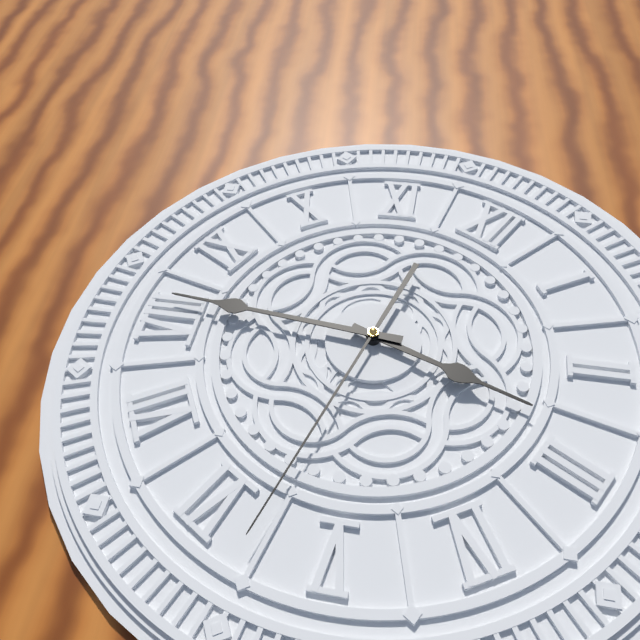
2h41m28s
